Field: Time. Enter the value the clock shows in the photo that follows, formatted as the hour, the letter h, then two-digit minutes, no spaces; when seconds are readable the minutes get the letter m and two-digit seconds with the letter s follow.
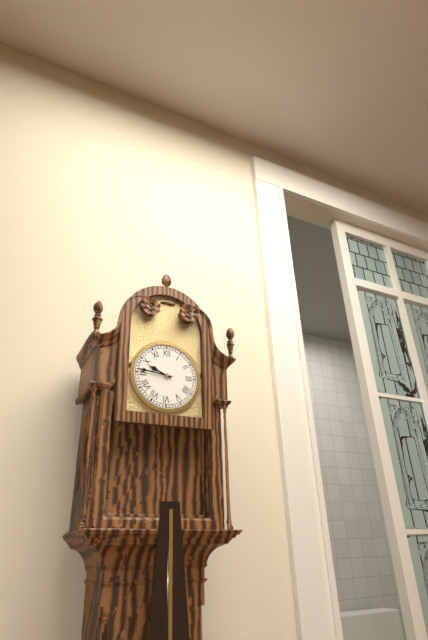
9h46
